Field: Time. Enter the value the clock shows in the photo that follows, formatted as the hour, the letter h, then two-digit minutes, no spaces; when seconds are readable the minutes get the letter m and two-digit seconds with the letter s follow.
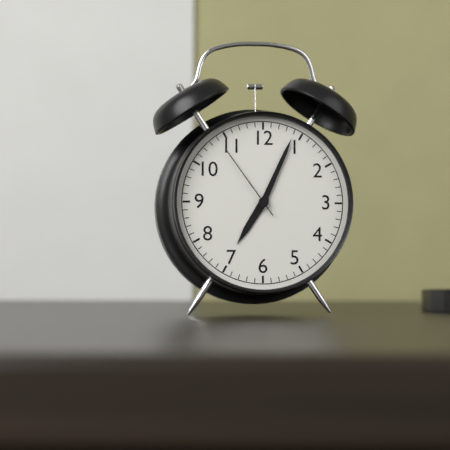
7h04m54s
